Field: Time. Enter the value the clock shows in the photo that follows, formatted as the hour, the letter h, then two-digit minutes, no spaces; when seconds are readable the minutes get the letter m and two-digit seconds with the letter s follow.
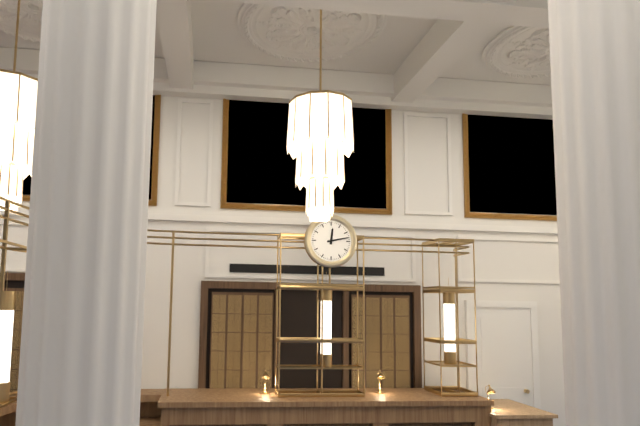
12h13
